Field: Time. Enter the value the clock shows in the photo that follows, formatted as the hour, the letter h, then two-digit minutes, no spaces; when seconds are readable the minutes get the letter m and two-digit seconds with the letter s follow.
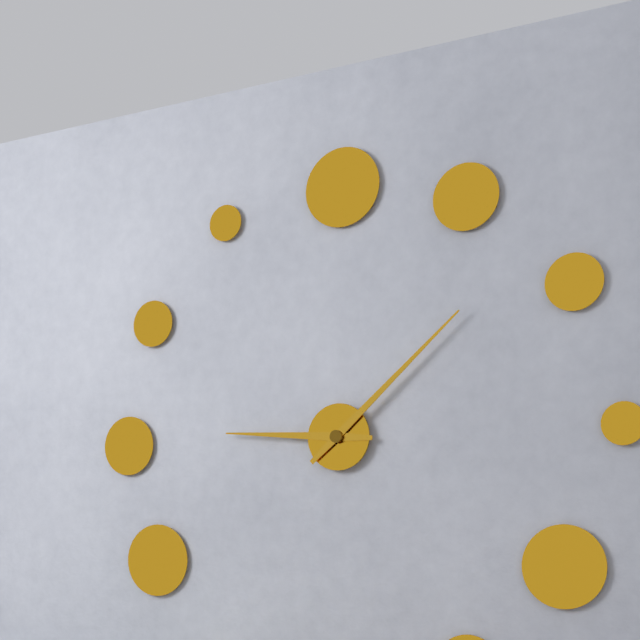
9h08
